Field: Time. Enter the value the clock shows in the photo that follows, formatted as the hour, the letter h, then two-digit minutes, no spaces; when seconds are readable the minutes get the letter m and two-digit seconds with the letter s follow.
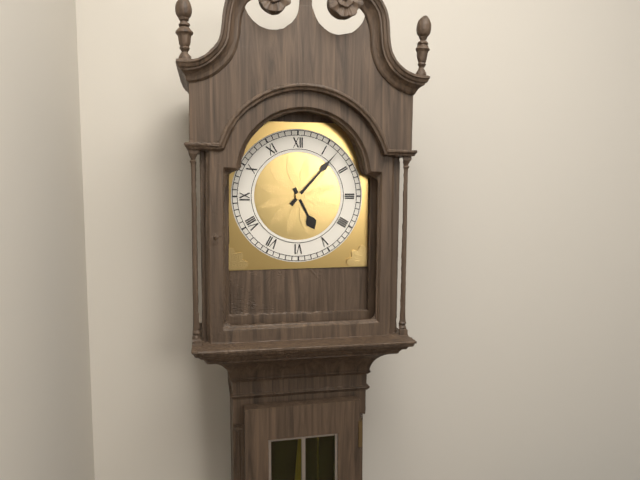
5h07
